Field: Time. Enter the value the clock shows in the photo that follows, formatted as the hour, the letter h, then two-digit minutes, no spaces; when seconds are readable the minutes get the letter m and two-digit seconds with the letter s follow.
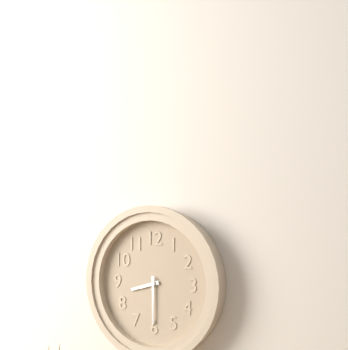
8h30
